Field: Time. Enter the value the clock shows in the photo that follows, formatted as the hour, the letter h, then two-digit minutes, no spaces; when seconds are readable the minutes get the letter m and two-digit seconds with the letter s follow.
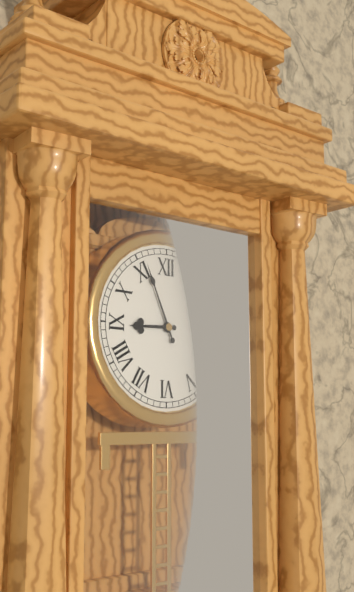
8h56
